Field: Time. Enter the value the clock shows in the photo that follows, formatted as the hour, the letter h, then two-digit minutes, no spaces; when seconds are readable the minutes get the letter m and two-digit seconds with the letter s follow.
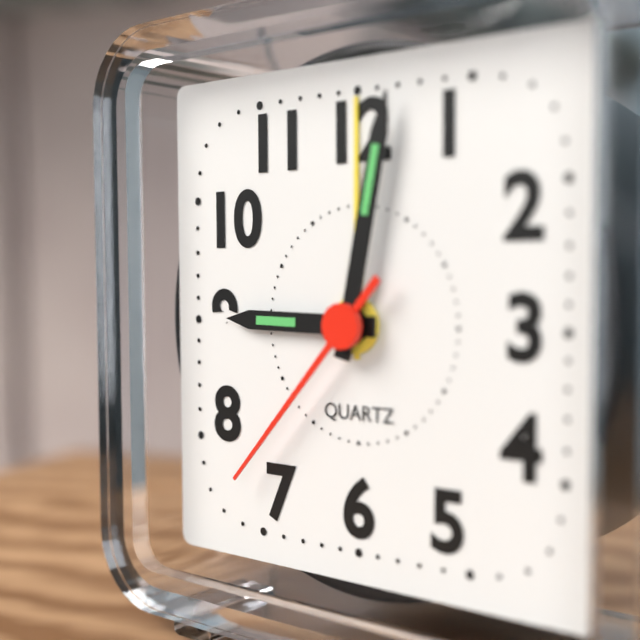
9h02m37s
